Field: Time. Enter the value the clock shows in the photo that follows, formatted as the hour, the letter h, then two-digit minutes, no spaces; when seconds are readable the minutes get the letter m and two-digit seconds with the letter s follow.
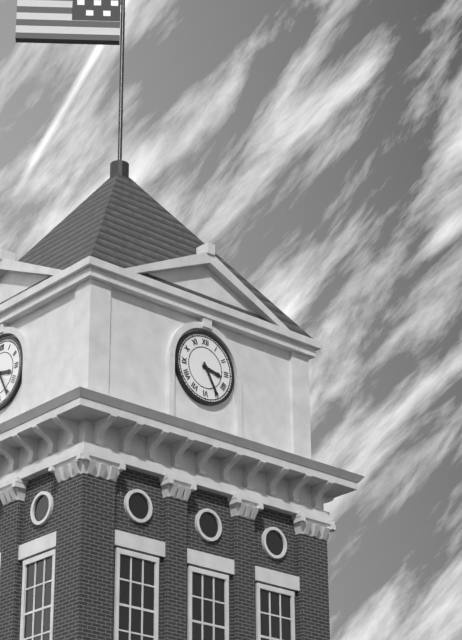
3h25
